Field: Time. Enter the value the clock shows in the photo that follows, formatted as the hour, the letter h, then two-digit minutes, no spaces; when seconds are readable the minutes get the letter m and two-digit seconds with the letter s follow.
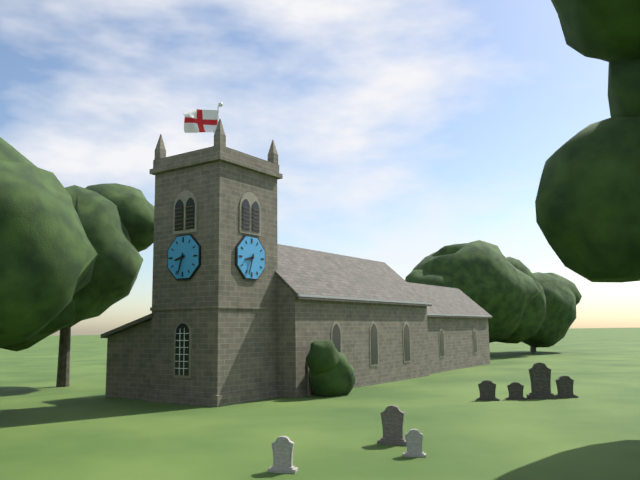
8h33
